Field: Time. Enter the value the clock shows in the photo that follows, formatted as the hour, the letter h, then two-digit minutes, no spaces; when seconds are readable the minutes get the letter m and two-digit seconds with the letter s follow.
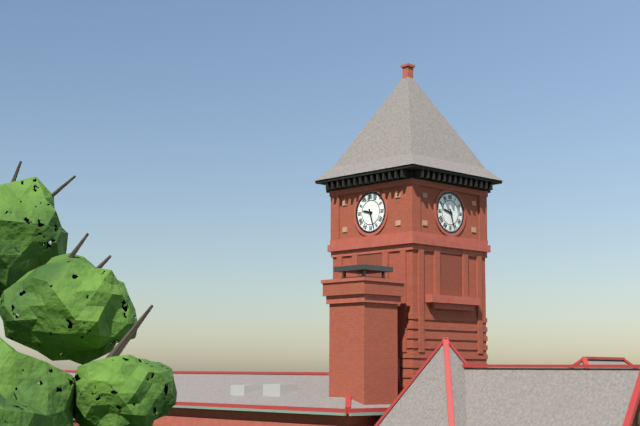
9h27
